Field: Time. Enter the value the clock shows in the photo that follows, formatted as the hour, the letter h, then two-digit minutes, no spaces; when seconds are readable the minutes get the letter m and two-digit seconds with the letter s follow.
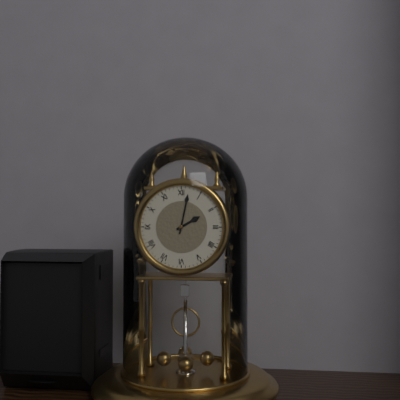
2h02
